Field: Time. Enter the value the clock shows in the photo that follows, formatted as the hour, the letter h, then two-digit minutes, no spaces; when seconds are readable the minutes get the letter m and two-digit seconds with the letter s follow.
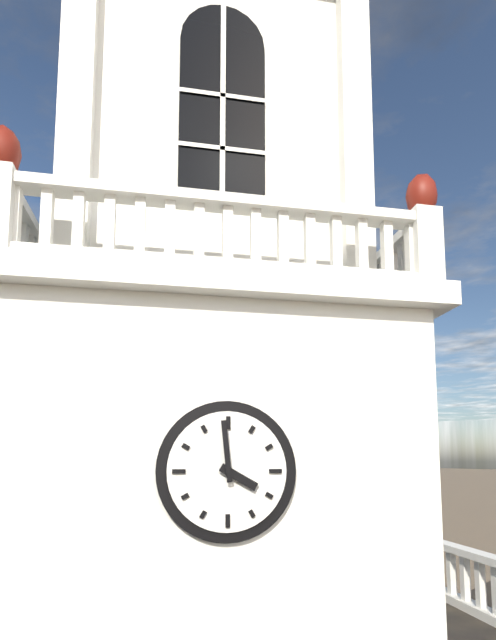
3h59
